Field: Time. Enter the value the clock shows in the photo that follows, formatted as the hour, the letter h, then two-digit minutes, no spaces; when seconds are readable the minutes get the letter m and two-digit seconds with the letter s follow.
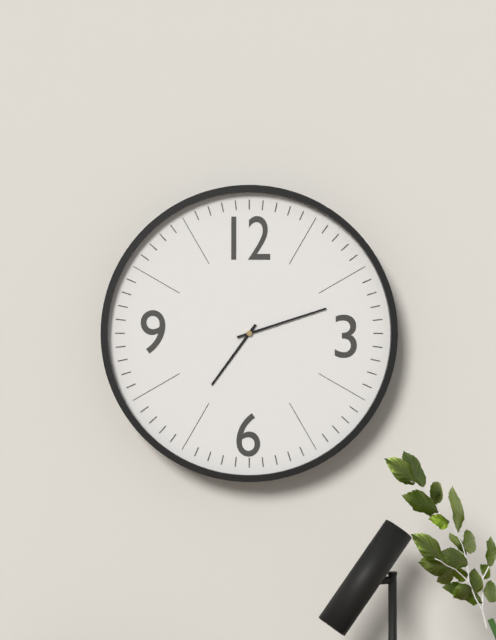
7h12
